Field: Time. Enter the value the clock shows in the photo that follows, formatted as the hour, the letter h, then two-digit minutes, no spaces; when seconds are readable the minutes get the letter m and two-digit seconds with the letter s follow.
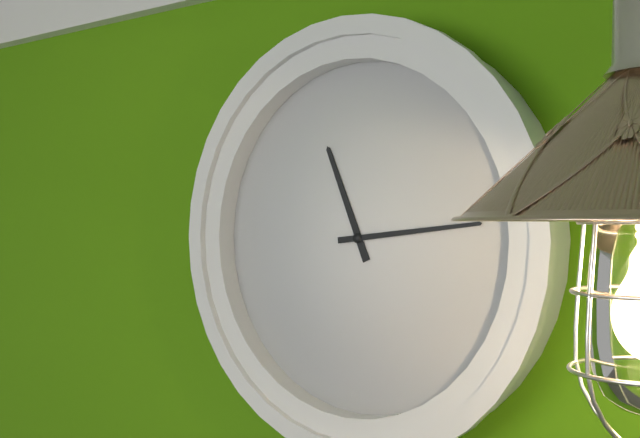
11h14
